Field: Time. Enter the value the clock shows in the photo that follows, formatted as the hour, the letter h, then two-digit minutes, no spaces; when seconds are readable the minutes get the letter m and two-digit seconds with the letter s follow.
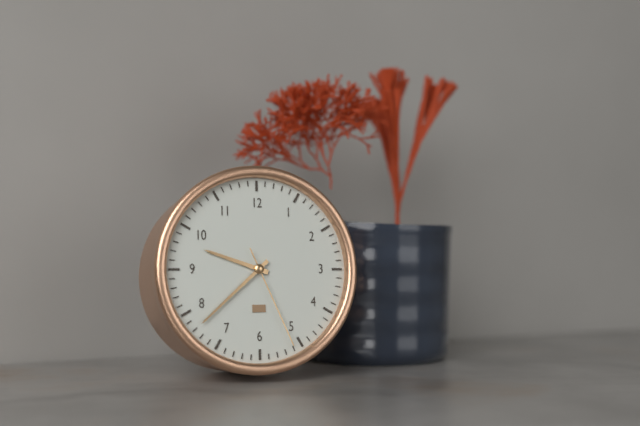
9h38m26s
